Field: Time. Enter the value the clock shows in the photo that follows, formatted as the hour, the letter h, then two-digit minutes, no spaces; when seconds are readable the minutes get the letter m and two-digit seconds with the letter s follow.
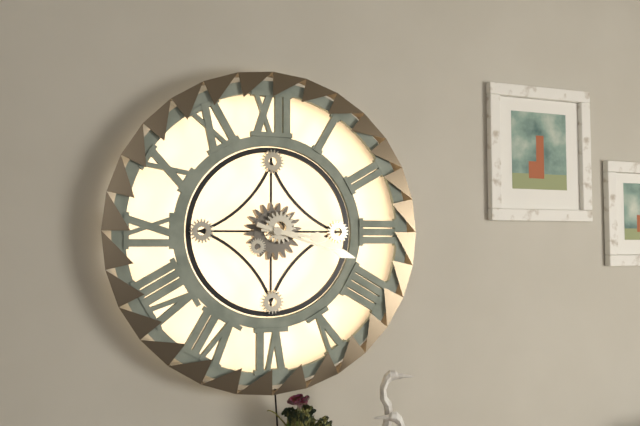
3h18
